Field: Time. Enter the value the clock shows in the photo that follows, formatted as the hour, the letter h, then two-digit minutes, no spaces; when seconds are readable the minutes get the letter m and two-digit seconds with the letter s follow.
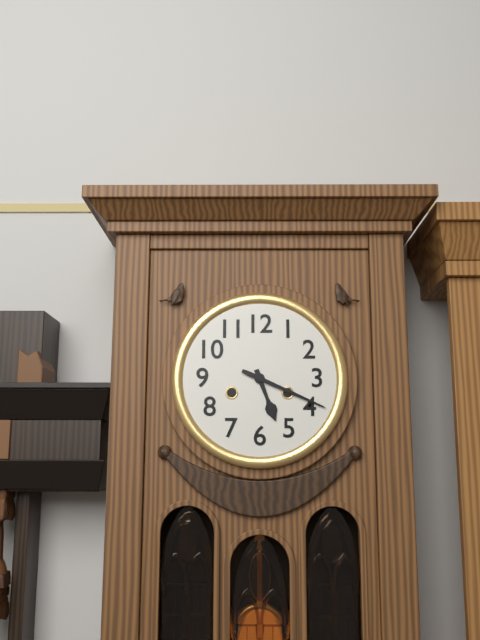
5h19
